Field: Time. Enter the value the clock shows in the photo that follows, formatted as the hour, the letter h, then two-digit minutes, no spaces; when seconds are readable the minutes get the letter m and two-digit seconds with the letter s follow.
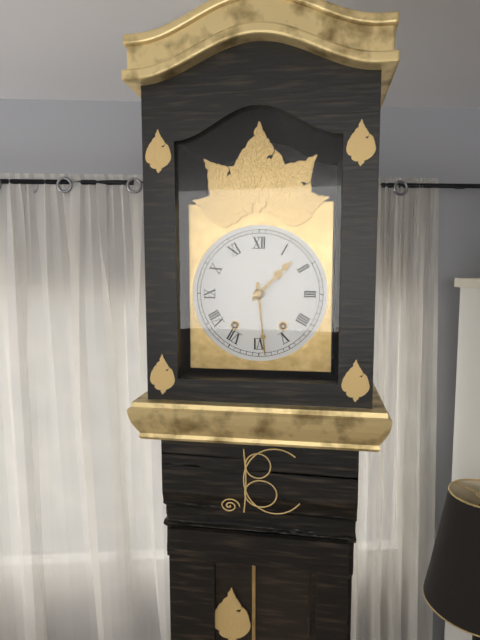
1h29
